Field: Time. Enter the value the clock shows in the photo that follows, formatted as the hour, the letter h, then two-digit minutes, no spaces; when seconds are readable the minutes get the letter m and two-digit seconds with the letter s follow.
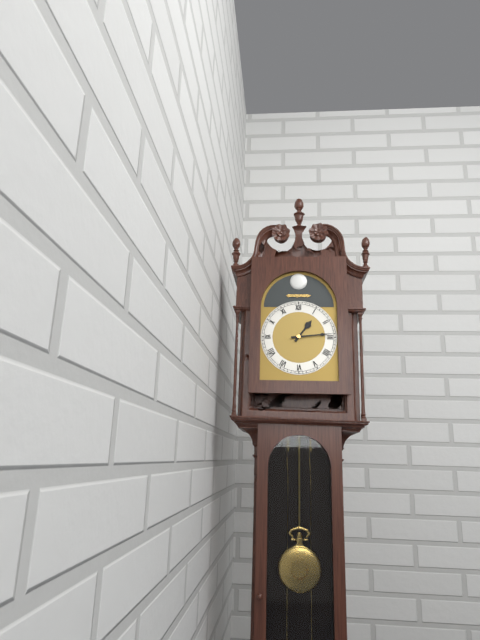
1h14
